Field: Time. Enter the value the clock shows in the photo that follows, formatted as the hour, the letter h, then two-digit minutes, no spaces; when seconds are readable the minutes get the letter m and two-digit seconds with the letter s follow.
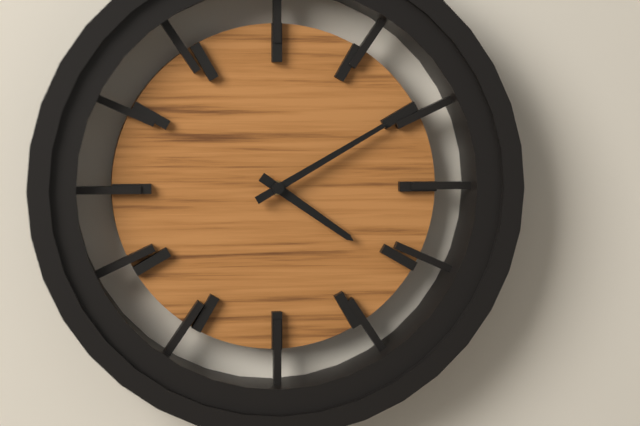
4h10
